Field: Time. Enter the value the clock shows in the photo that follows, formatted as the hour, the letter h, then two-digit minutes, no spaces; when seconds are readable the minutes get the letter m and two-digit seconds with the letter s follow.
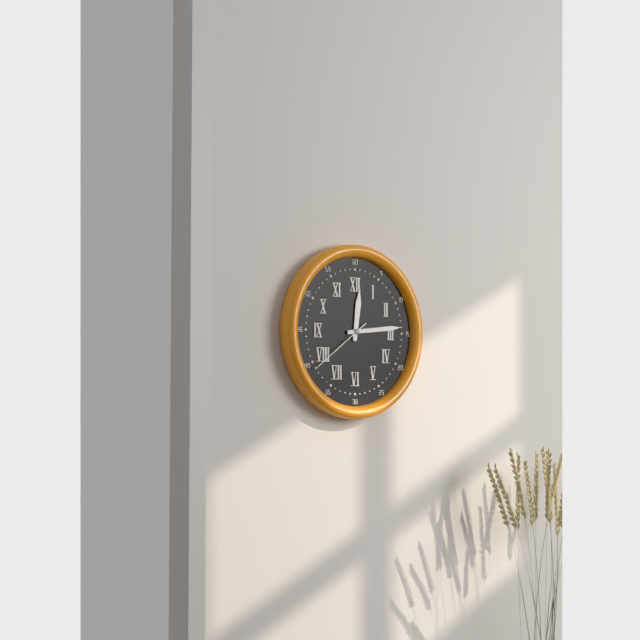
12h14m39s
